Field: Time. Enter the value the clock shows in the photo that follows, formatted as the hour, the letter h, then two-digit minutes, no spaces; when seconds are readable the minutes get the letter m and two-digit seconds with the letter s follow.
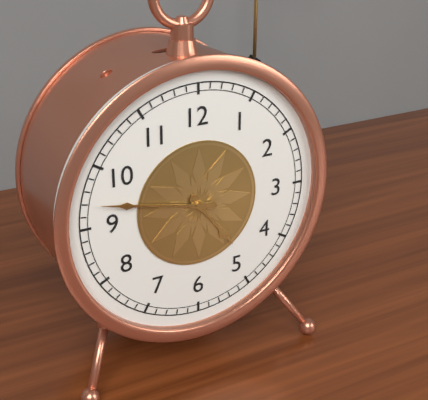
4h47
